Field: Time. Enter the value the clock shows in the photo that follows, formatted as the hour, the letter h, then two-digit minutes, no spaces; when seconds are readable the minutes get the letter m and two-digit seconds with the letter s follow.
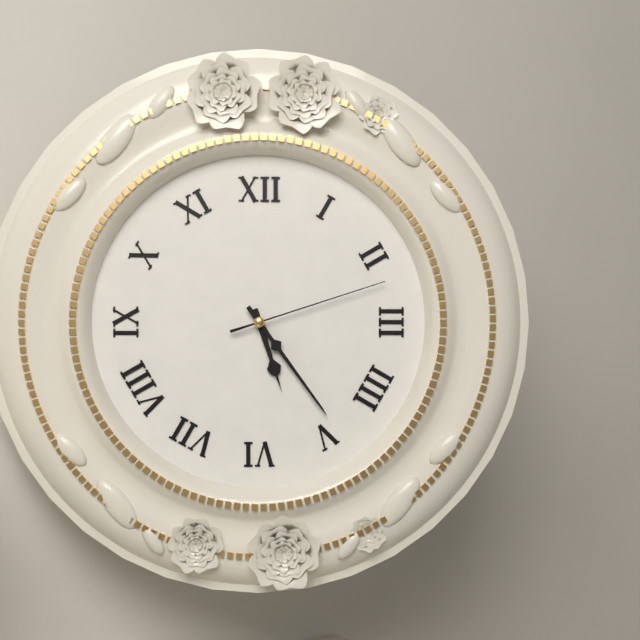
5h24m12s
